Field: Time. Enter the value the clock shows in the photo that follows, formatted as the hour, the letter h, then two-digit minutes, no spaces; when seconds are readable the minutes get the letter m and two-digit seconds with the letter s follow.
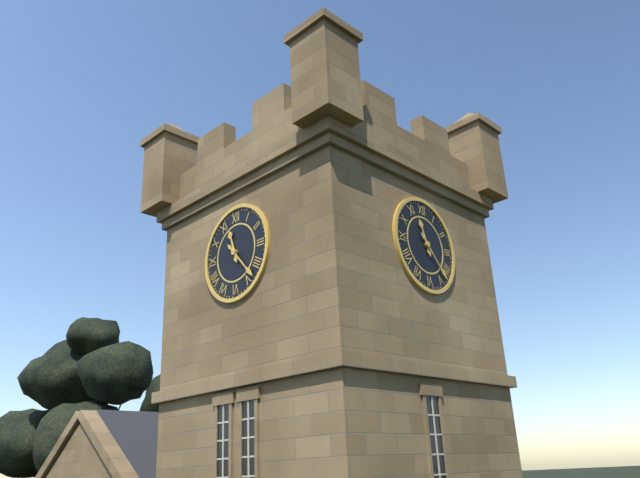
11h23
